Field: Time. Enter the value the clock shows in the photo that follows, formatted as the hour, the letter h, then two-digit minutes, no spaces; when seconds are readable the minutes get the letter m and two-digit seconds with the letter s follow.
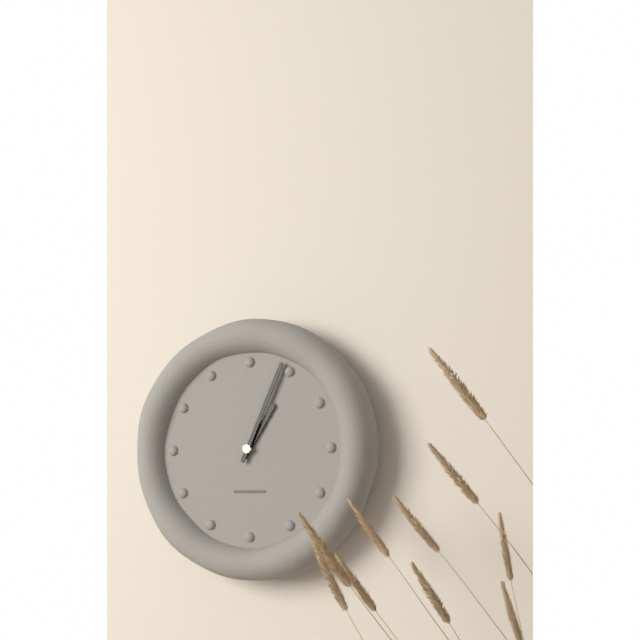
1h04
